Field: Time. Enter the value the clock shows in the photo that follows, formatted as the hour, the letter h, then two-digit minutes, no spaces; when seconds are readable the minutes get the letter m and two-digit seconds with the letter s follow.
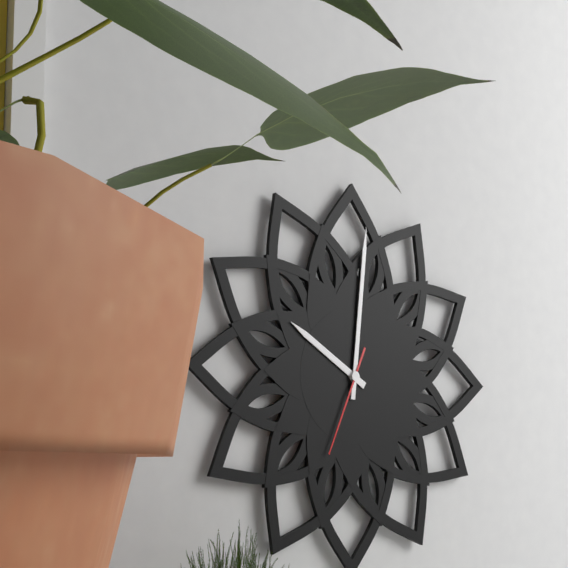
10h01m34s
